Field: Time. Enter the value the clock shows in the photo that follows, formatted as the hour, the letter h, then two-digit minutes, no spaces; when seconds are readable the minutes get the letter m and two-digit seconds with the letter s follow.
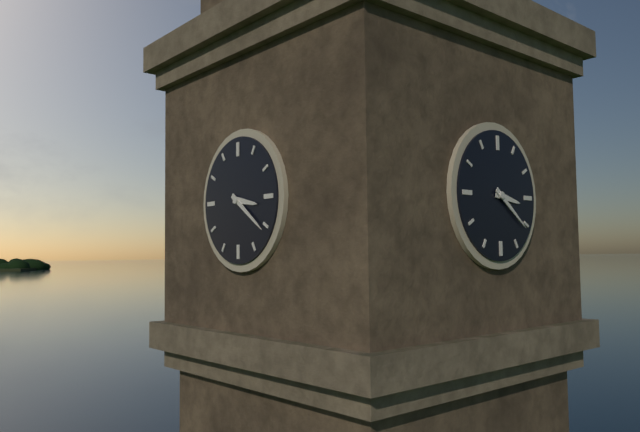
3h21
